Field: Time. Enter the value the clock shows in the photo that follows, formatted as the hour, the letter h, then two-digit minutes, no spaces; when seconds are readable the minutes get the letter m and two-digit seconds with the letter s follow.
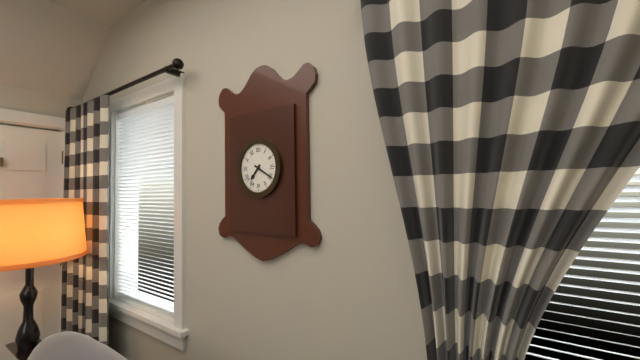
7h20
